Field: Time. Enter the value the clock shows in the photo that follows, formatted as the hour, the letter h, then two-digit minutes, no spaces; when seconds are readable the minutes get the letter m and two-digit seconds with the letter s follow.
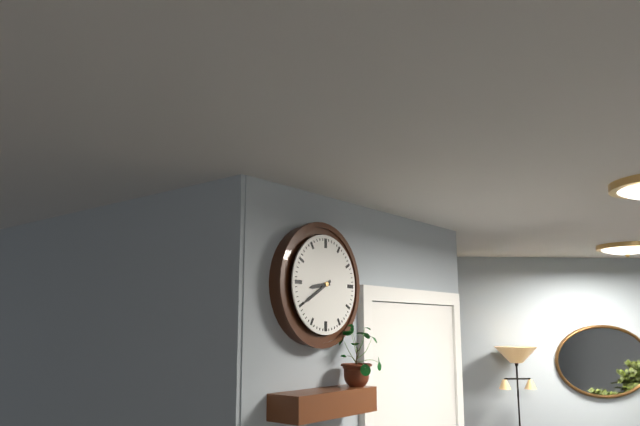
8h40
